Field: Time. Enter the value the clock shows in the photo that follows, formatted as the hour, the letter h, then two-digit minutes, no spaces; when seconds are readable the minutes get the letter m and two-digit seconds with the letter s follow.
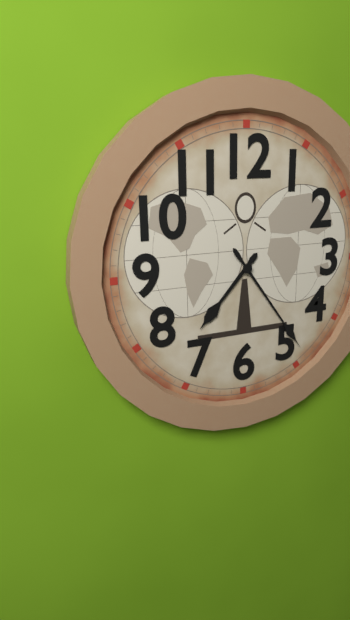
7h24
